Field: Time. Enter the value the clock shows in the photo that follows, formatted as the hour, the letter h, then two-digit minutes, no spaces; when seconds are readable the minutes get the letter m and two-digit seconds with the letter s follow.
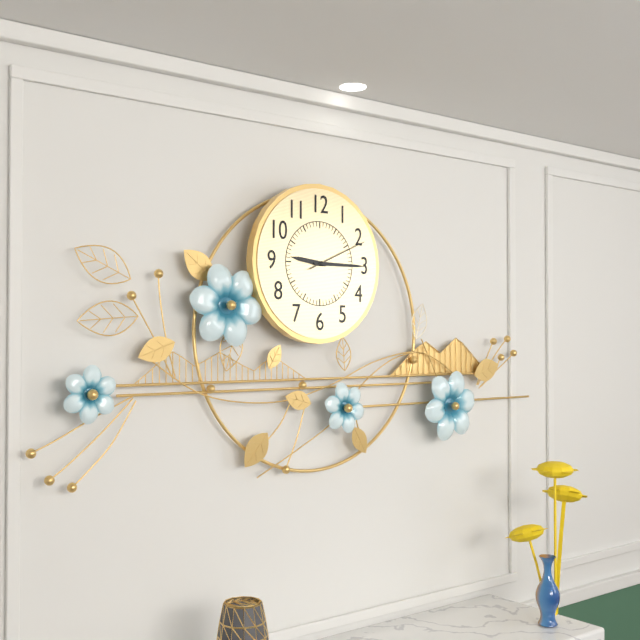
9h15m11s
